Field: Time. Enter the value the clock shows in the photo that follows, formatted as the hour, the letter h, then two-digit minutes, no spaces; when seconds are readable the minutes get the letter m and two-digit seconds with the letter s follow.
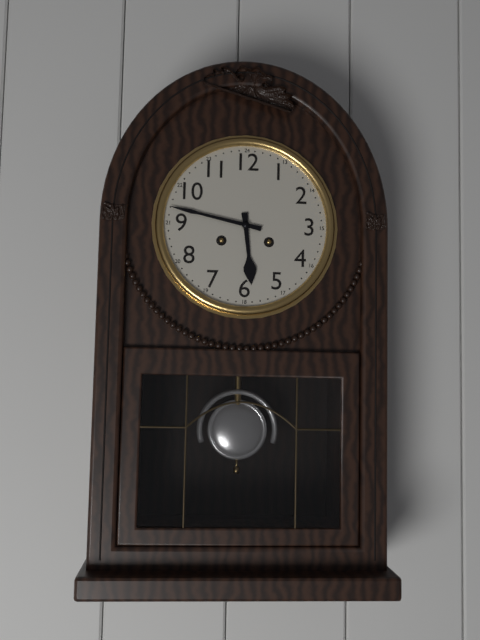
5h47
